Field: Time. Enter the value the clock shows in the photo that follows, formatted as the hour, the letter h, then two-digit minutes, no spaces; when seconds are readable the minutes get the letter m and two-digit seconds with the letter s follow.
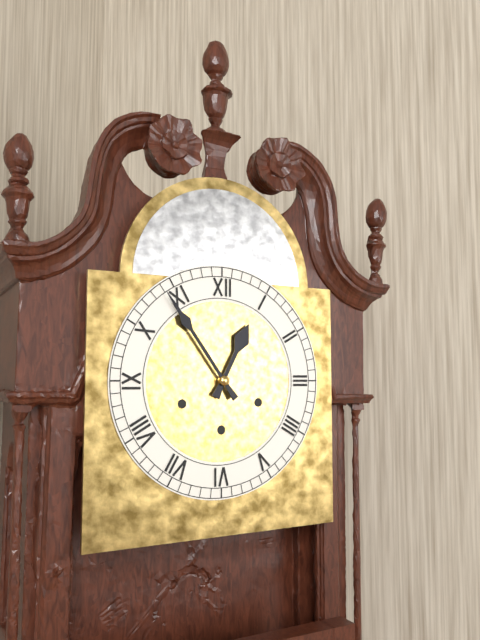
12h54
